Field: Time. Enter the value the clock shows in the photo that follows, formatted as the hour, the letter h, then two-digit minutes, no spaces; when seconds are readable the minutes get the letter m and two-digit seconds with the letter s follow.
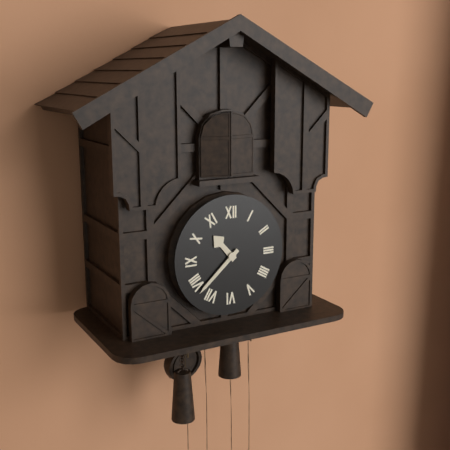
10h38
